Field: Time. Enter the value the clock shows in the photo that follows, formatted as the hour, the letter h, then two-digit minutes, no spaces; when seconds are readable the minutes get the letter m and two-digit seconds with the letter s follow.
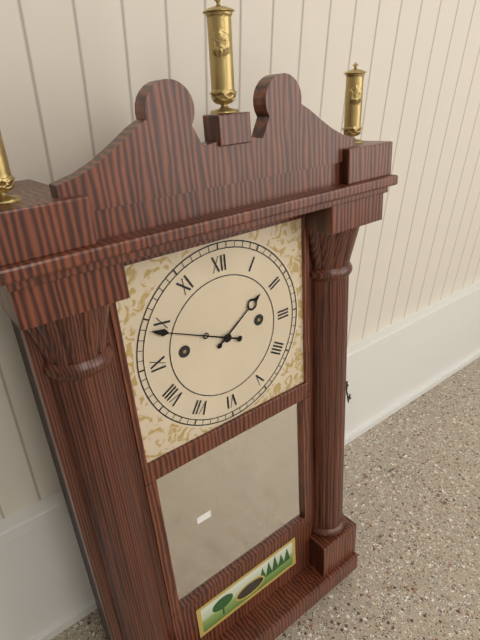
1h49
